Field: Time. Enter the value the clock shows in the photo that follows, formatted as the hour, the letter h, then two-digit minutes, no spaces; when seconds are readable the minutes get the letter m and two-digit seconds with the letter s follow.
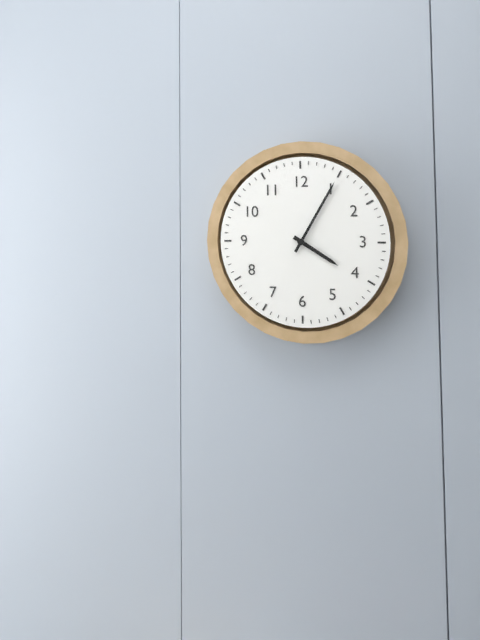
4h05
